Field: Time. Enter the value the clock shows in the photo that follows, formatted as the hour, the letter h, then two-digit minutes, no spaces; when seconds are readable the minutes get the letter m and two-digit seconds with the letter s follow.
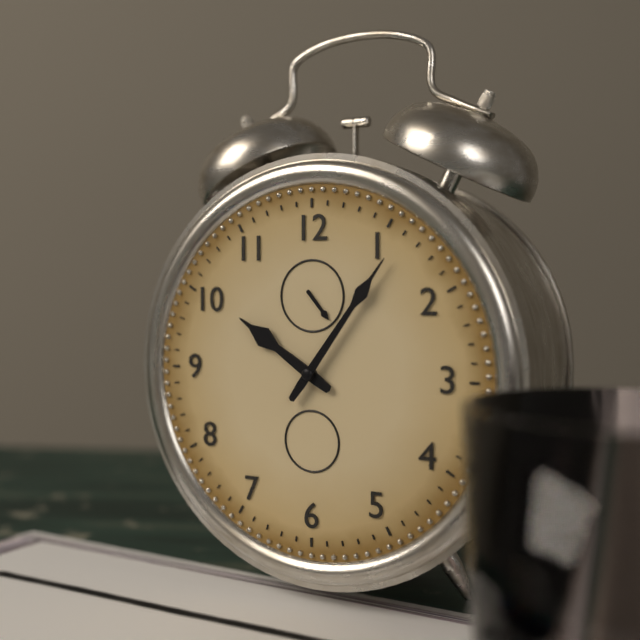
10h06
